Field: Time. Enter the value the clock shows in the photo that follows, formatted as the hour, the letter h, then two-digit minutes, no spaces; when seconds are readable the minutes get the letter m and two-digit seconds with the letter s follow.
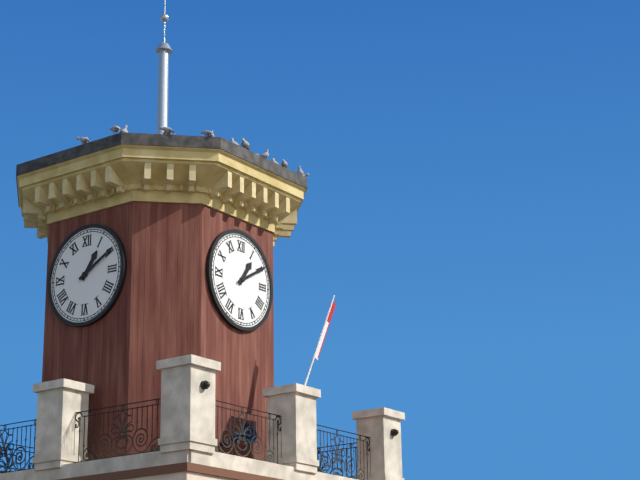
1h10
